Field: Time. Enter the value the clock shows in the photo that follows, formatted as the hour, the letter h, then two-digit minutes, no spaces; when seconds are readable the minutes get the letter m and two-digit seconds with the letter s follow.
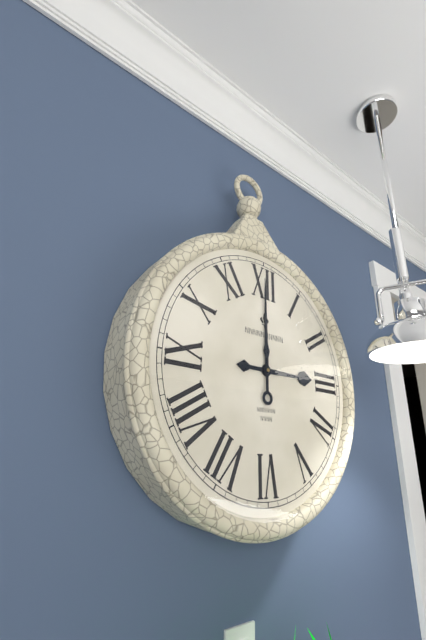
3h00
